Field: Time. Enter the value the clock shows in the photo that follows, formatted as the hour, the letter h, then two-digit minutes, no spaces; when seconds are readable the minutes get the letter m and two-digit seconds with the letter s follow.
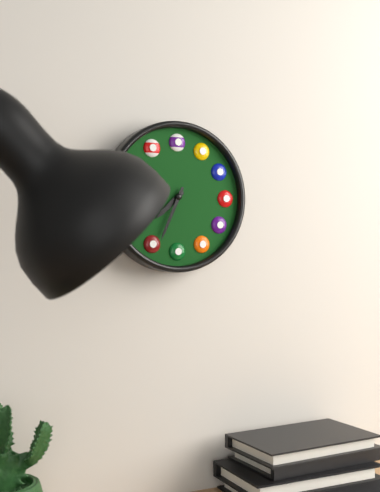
7h34
